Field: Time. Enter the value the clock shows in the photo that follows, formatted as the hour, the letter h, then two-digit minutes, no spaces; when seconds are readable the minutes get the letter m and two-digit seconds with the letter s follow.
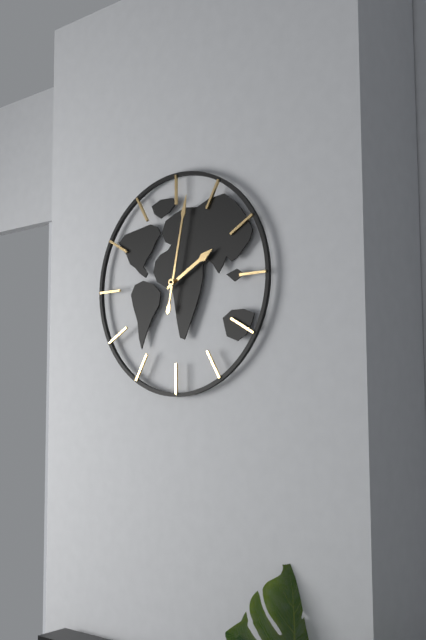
2h02
